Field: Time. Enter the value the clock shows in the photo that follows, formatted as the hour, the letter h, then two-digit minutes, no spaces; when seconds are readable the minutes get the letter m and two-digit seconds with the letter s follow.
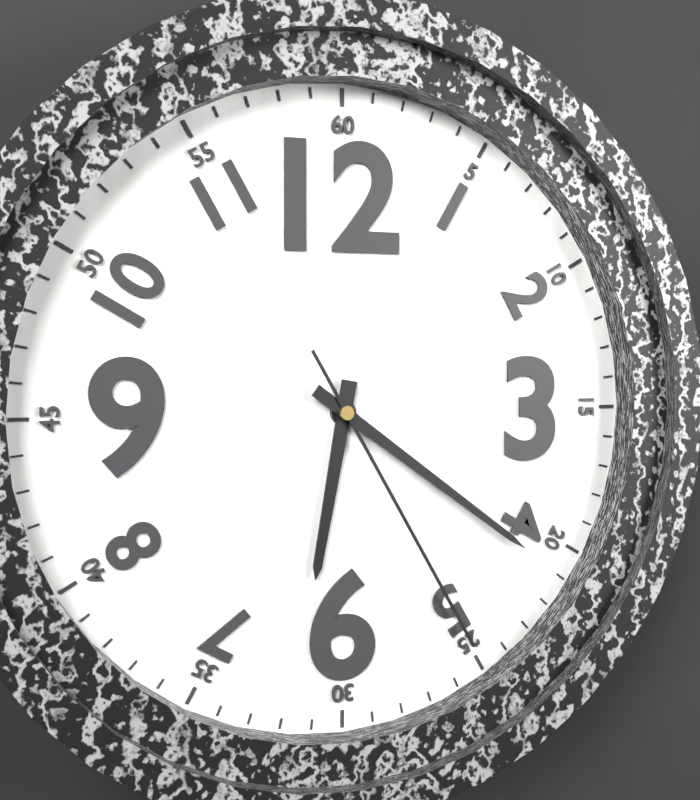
6h21m25s
